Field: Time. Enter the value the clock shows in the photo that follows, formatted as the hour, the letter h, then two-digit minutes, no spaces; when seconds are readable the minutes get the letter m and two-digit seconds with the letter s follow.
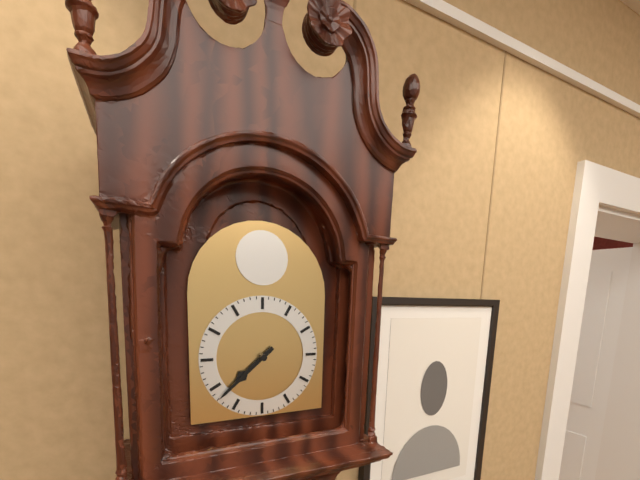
7h38
